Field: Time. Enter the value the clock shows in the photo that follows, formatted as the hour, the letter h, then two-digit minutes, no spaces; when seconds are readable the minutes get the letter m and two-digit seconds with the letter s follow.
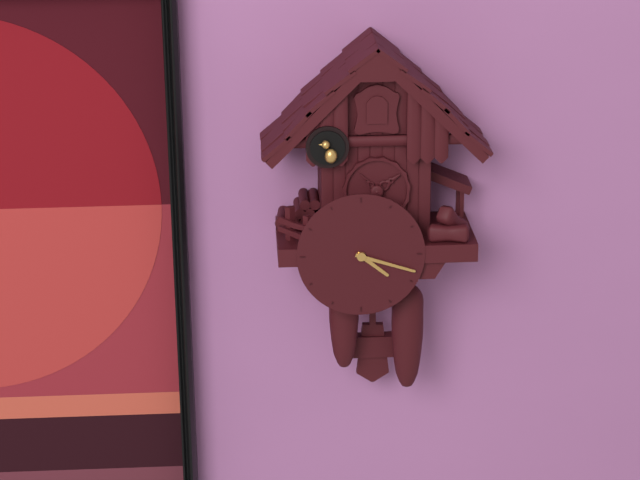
4h18
